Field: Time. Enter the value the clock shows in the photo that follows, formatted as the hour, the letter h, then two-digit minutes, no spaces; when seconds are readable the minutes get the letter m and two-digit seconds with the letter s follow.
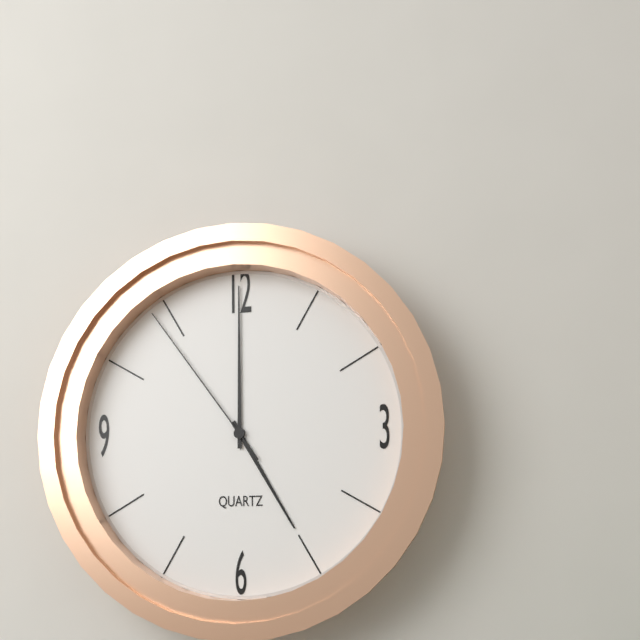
5h00m54s
